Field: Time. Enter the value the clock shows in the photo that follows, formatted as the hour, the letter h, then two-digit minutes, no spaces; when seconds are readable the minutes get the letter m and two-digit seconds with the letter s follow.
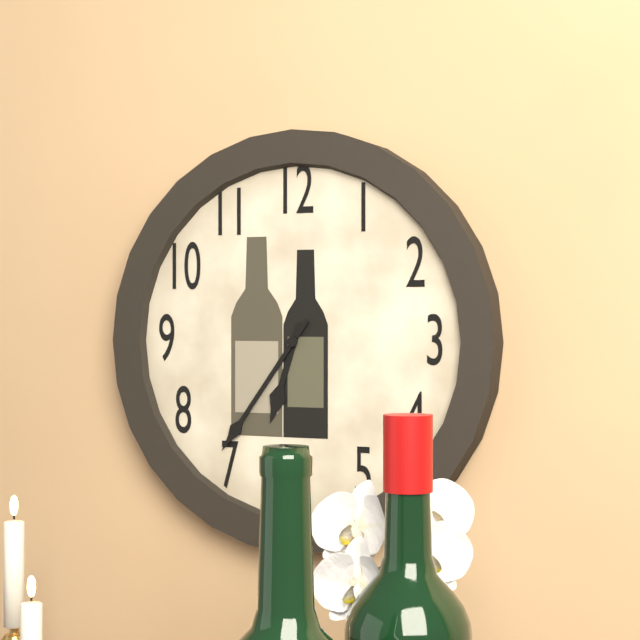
6h36
